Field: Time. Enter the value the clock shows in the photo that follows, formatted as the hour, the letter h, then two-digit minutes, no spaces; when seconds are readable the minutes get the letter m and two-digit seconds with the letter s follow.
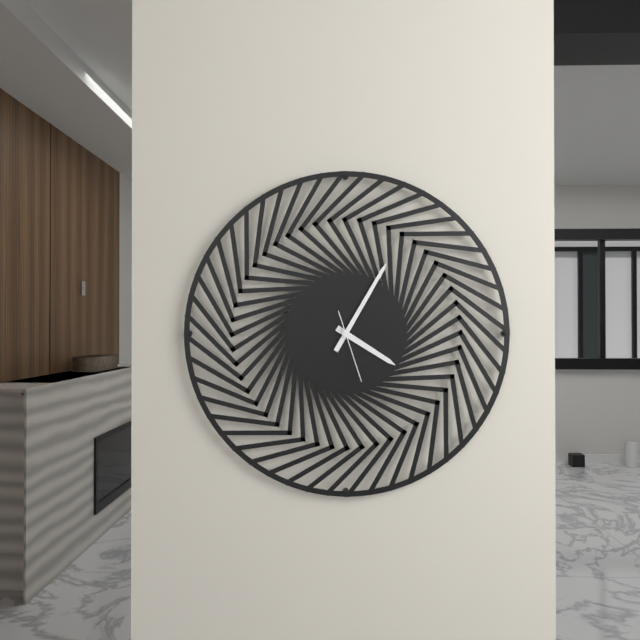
4h05m27s
